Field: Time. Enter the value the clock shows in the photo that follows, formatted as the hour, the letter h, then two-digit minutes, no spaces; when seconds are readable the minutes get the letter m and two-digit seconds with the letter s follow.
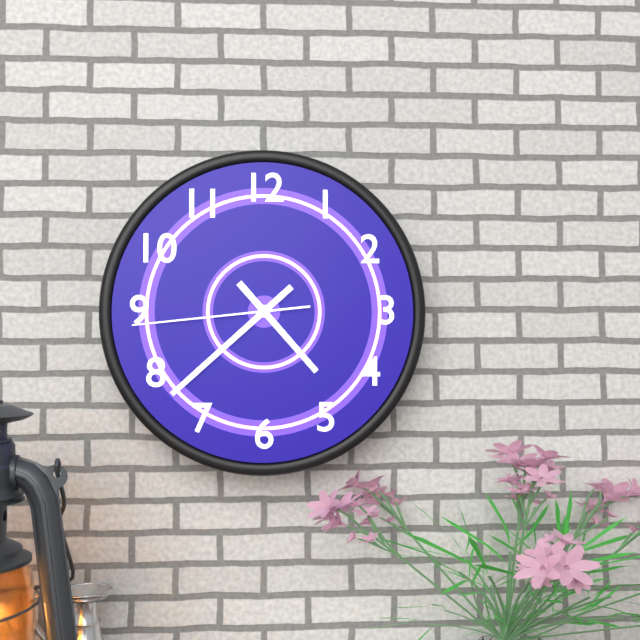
4h38m44s
